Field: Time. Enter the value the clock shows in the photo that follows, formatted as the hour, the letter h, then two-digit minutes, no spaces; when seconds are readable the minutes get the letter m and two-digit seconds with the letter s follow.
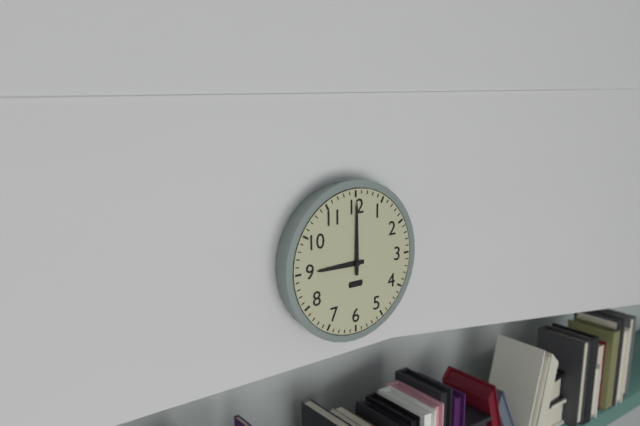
9h00
